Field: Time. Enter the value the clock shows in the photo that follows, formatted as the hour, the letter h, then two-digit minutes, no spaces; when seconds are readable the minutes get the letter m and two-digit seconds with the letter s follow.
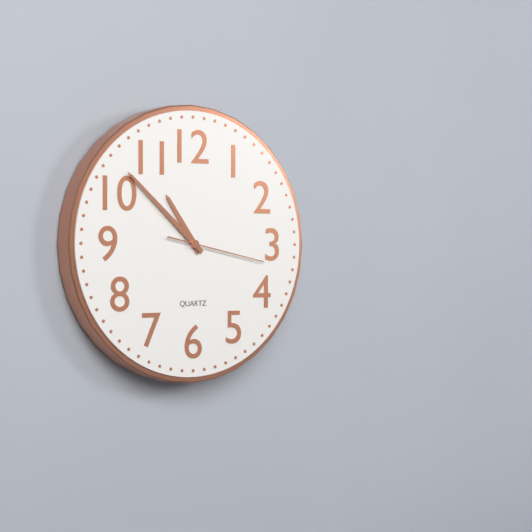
10h52m17s
